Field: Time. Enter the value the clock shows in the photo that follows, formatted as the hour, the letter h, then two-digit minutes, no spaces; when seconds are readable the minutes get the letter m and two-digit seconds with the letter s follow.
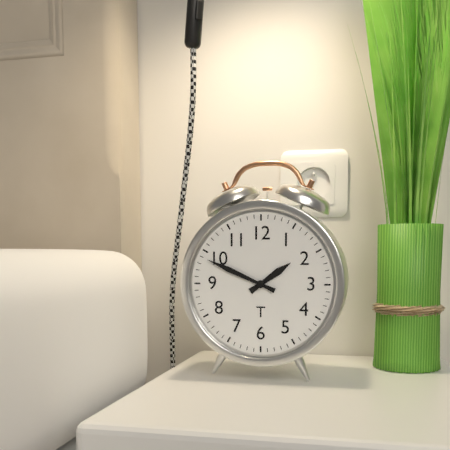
1h49
